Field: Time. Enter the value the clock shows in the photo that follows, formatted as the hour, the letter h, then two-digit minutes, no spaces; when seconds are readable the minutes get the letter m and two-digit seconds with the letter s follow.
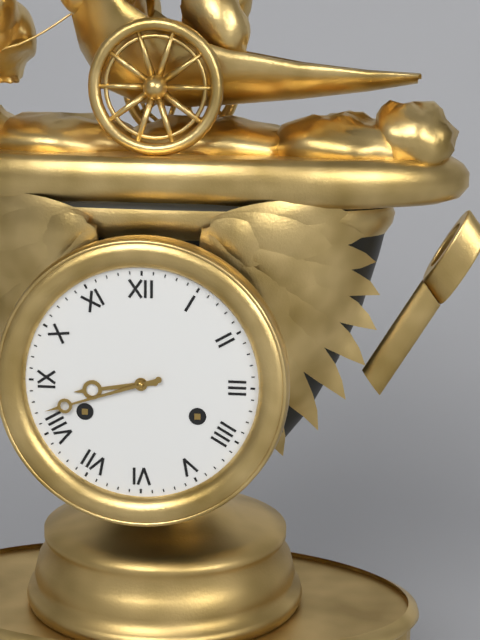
8h42
